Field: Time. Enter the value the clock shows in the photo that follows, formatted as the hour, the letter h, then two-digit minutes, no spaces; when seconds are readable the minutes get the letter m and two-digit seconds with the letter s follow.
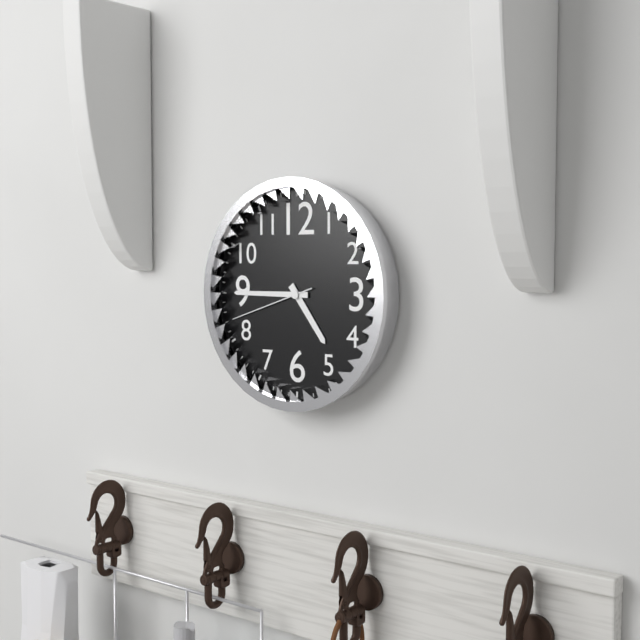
4h45m42s
